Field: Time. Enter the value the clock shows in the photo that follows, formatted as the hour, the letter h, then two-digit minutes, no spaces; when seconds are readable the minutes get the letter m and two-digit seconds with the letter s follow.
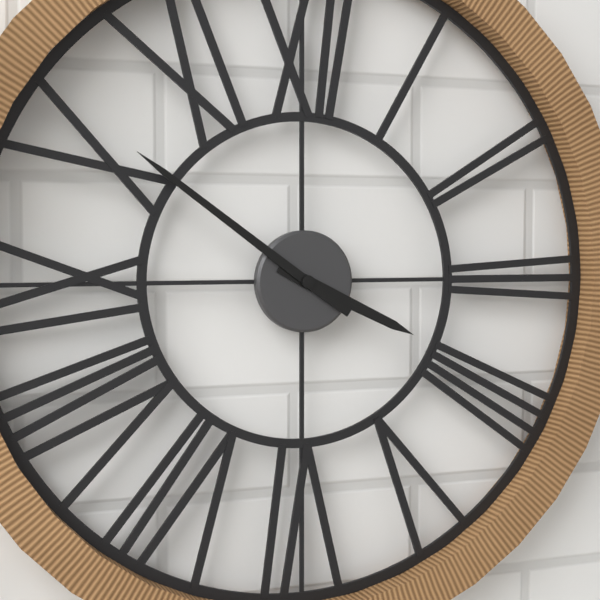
3h51
